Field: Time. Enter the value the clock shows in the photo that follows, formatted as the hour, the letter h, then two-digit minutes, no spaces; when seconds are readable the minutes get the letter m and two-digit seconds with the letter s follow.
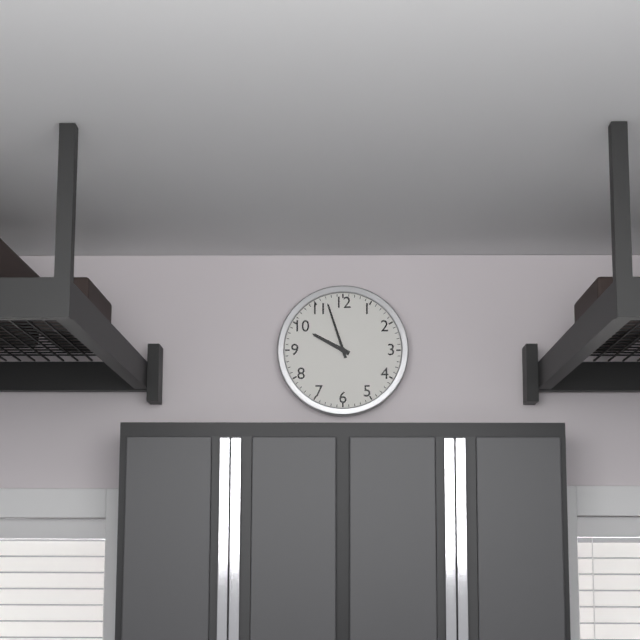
9h57
